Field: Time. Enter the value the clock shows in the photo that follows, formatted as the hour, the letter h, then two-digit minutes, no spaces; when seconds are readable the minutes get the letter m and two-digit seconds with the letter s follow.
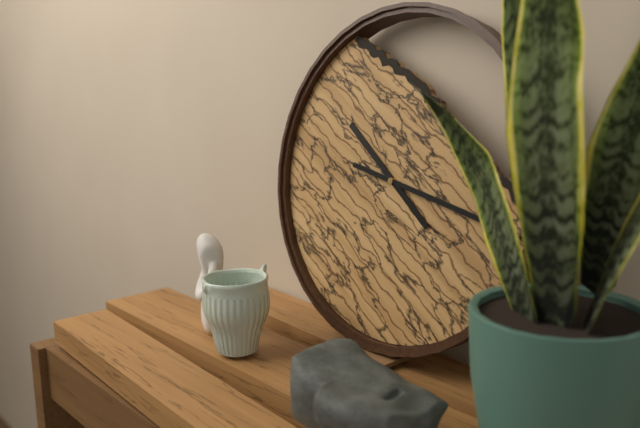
10h17
